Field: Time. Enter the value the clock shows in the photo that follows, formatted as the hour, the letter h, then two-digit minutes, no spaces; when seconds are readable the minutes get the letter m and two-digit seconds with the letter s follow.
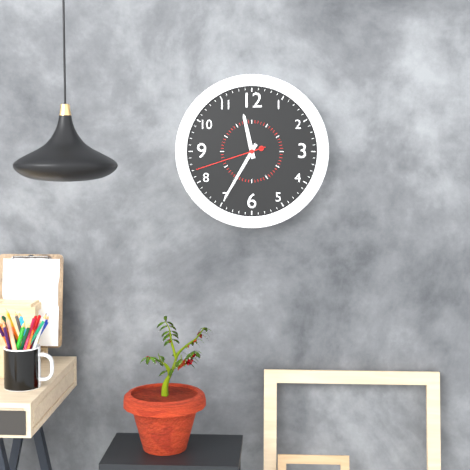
11h35m42s
